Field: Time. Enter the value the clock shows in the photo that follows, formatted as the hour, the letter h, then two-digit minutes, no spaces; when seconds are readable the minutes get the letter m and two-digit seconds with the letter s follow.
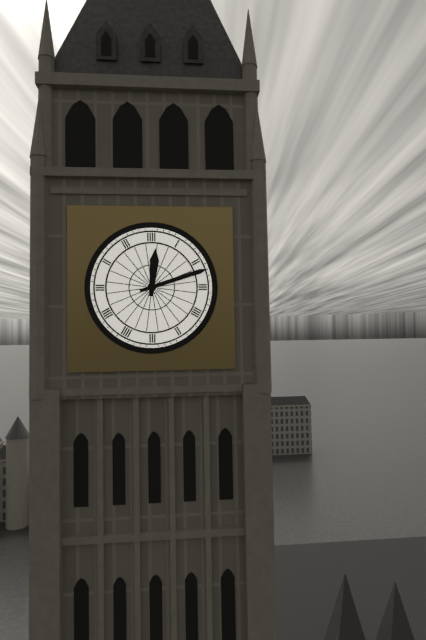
12h12
